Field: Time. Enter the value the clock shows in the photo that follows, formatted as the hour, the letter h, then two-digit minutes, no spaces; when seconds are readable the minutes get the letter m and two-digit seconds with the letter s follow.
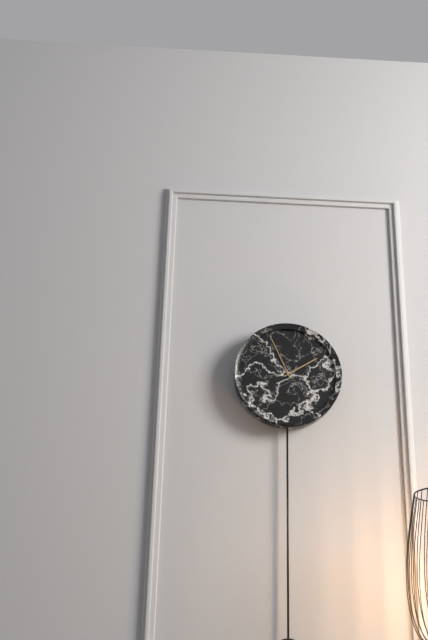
1h56
